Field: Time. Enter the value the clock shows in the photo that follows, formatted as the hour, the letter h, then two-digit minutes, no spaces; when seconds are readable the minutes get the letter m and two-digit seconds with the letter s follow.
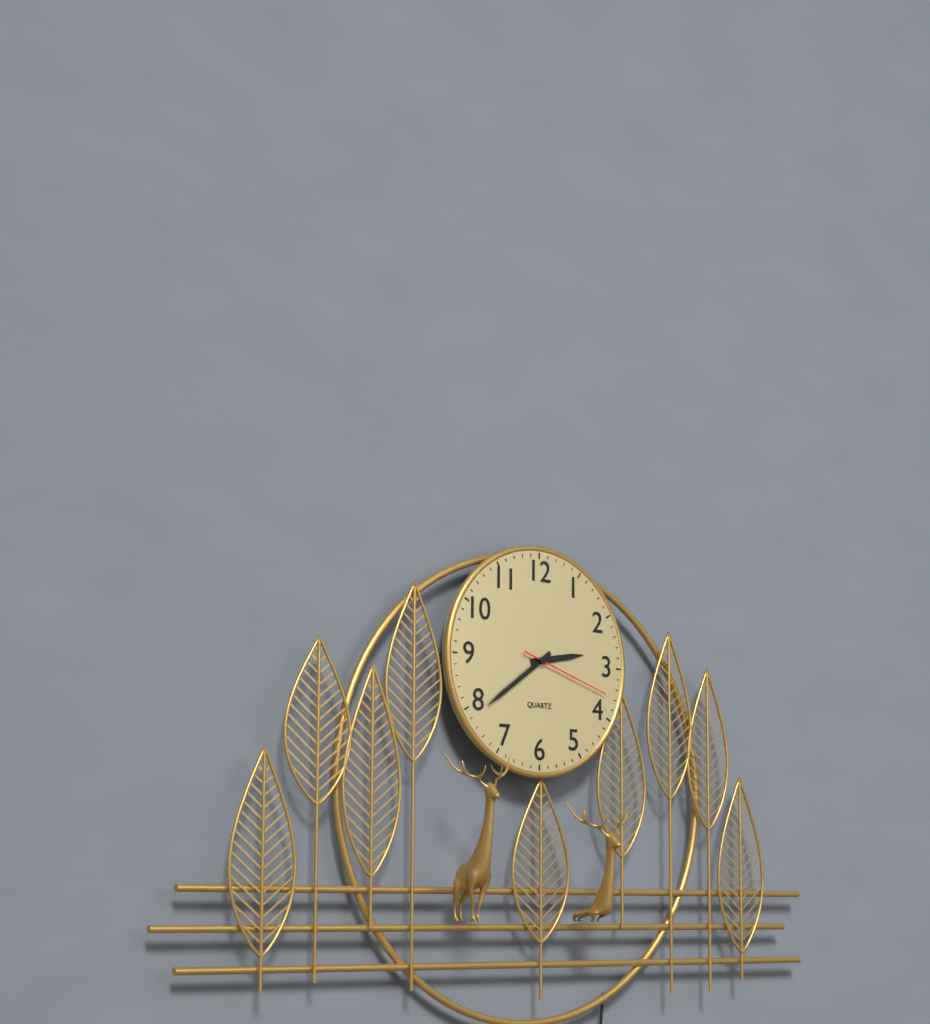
2h39m18s
